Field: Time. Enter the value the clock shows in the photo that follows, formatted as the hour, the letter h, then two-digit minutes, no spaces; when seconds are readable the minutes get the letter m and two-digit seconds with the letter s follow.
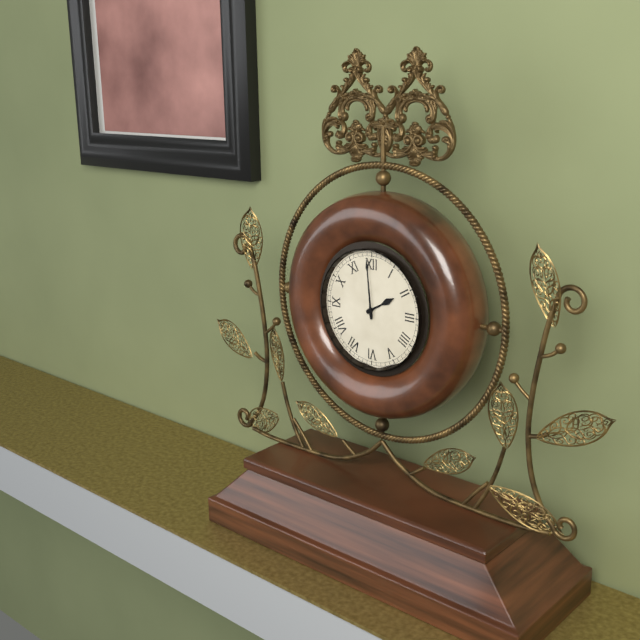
1h59
